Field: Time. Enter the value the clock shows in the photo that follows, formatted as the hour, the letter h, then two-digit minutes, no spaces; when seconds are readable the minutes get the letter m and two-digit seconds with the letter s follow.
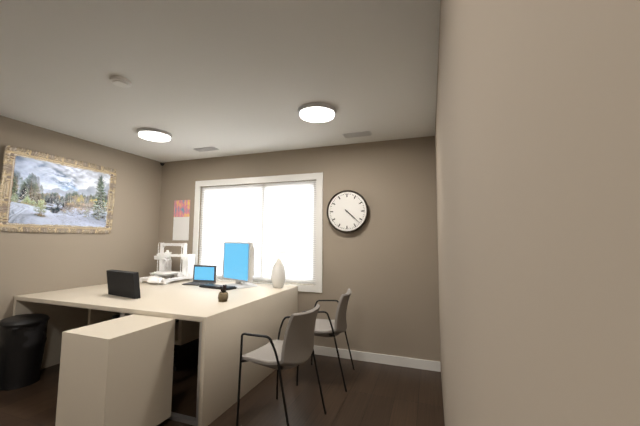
4h22
